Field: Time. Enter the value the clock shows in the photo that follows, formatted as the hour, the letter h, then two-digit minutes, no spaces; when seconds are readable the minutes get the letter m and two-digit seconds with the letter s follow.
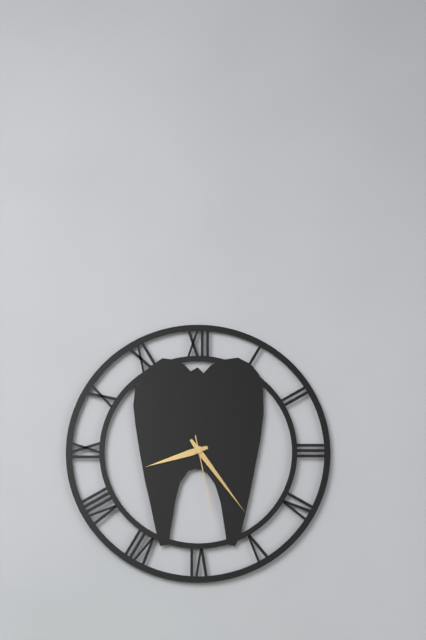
8h24m28s
